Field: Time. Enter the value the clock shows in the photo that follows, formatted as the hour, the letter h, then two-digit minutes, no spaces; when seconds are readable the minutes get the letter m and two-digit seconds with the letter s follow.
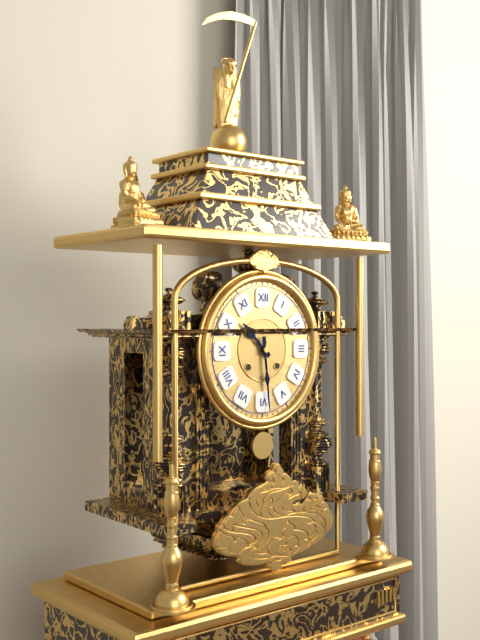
10h29
